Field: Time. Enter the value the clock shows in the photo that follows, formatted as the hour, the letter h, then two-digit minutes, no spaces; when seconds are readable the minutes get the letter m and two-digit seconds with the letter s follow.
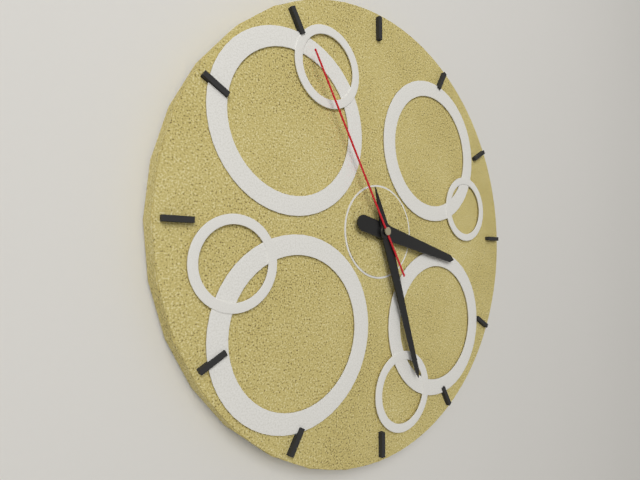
3h27m55s
